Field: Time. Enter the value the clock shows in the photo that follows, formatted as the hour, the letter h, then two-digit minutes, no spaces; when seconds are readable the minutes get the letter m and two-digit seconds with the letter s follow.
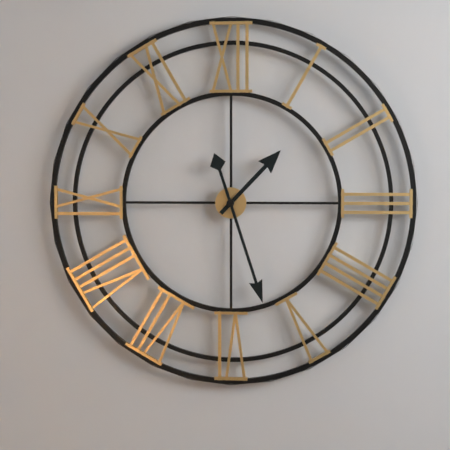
1h27
